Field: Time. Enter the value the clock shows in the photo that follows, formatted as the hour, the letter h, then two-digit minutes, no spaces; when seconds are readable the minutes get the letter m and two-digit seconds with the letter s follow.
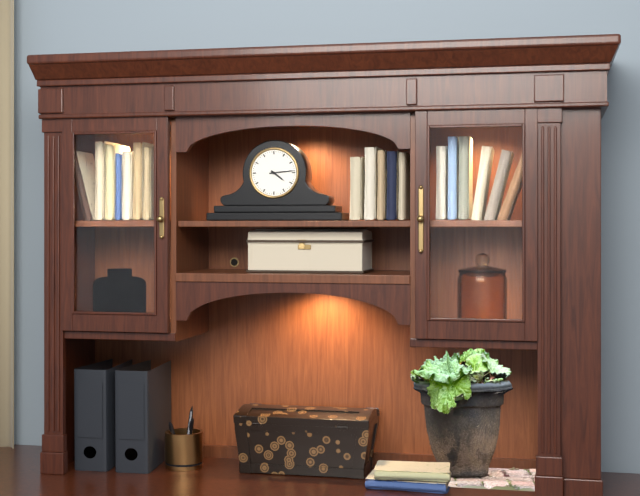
4h14
